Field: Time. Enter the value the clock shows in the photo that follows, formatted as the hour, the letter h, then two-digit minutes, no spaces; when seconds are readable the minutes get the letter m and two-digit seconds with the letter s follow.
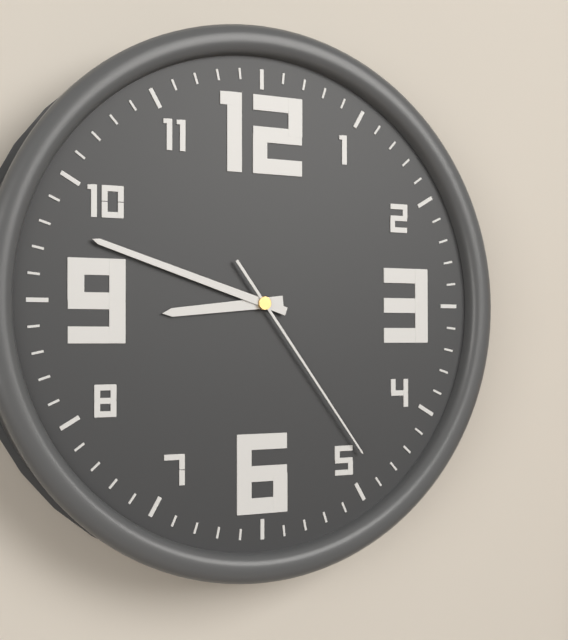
8h48m24s
